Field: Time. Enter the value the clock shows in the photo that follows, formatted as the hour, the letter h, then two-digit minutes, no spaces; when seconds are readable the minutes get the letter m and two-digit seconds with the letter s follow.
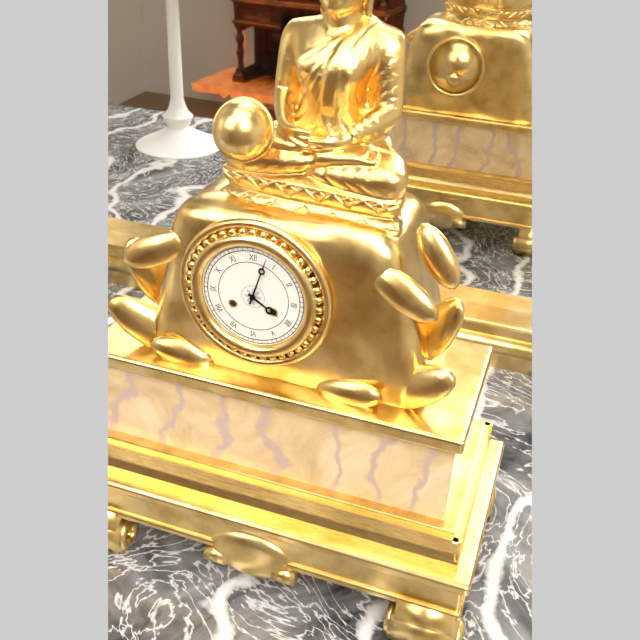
4h03
